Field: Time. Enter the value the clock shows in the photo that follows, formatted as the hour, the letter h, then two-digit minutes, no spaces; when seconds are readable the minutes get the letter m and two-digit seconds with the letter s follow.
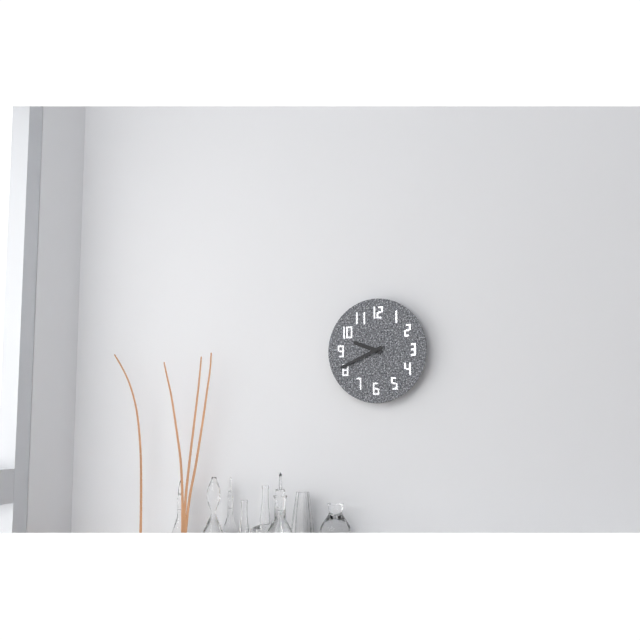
9h41
